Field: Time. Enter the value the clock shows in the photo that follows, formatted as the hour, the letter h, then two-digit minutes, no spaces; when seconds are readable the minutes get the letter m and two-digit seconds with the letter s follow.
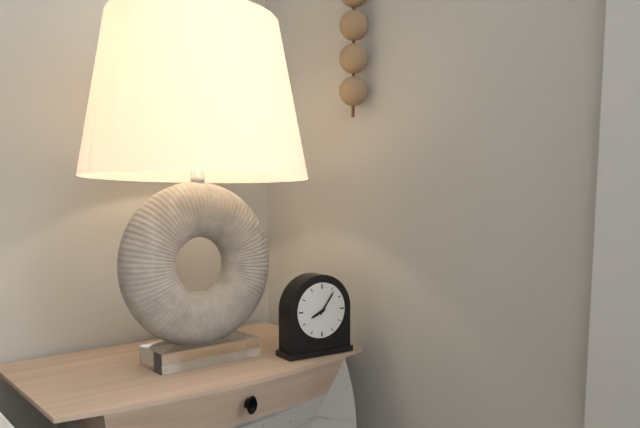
8h06
